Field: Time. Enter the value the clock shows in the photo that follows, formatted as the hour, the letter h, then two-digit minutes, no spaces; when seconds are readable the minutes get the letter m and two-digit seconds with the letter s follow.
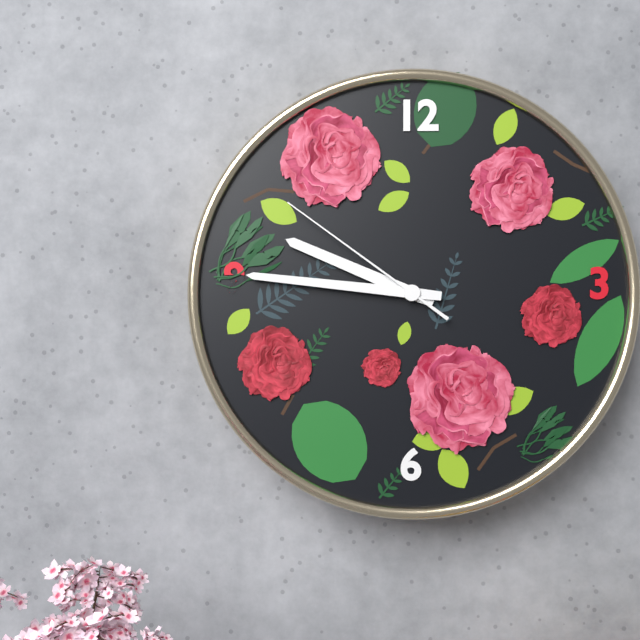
9h46m51s
